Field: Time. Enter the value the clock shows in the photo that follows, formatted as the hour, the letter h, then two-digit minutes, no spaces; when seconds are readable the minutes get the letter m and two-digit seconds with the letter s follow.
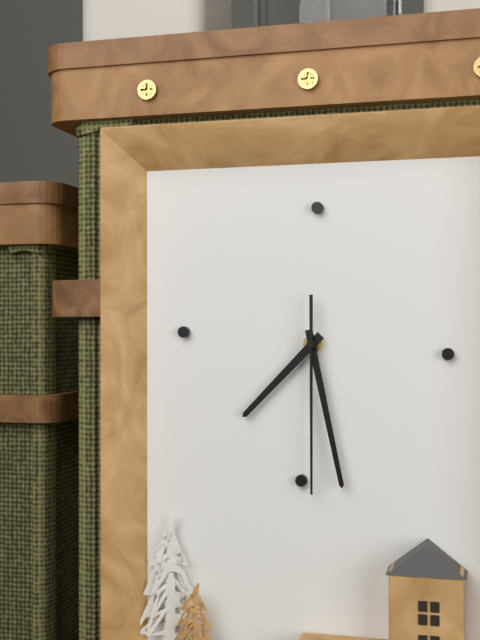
7h28m30s
